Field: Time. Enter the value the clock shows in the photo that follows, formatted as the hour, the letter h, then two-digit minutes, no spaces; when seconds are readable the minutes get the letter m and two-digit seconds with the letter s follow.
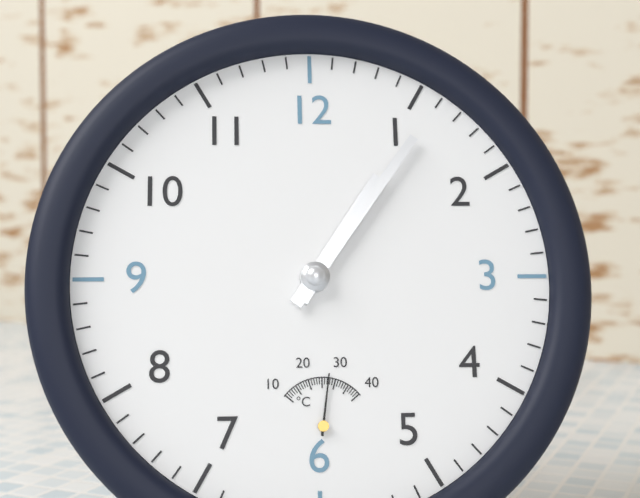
1h06
